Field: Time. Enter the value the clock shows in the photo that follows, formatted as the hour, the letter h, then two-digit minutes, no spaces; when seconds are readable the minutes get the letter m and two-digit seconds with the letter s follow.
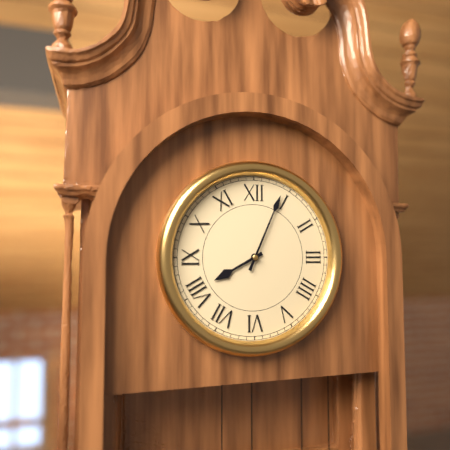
8h04
